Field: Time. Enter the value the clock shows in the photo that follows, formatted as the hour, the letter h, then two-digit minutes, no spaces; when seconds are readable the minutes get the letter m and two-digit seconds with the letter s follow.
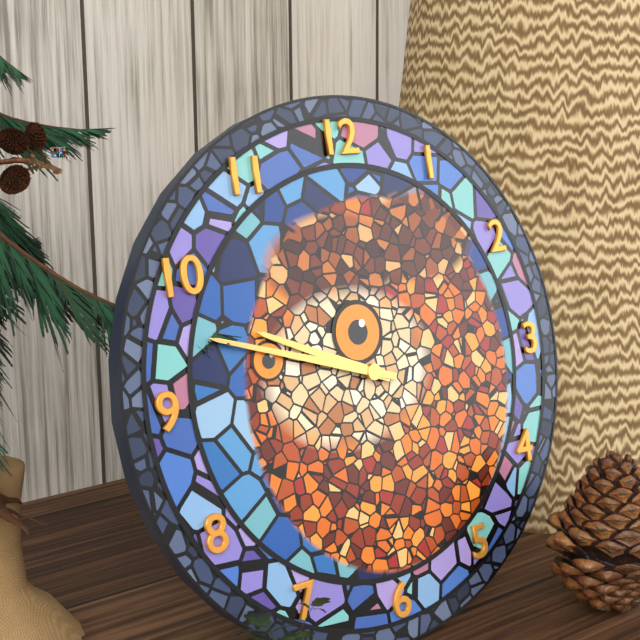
9h48
